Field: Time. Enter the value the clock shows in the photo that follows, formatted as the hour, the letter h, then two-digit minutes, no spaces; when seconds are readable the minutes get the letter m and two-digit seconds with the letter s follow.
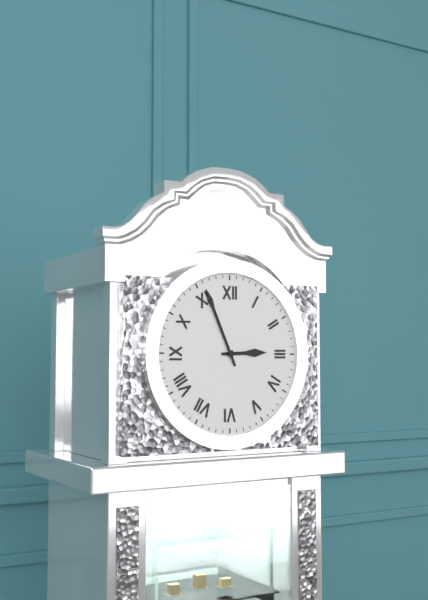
2h56
